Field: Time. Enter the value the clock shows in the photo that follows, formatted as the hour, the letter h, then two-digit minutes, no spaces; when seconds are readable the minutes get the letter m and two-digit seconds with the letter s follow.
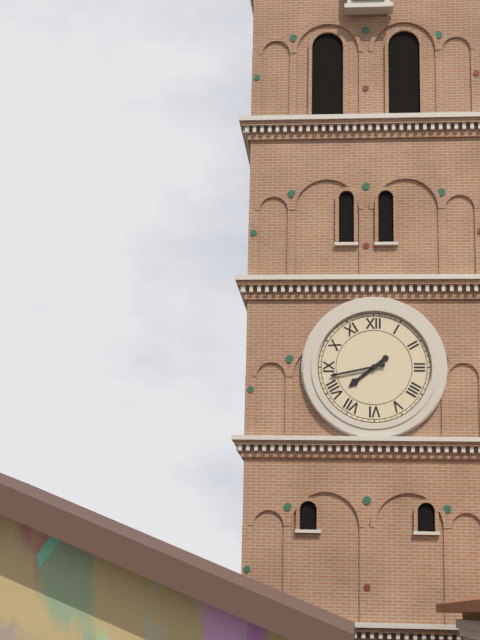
7h43
